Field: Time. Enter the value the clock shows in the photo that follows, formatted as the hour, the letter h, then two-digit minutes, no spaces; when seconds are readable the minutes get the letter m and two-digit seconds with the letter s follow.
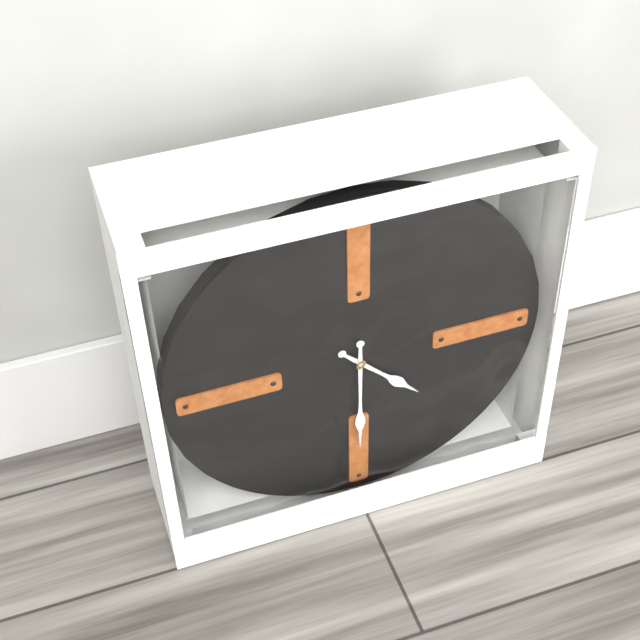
4h30
